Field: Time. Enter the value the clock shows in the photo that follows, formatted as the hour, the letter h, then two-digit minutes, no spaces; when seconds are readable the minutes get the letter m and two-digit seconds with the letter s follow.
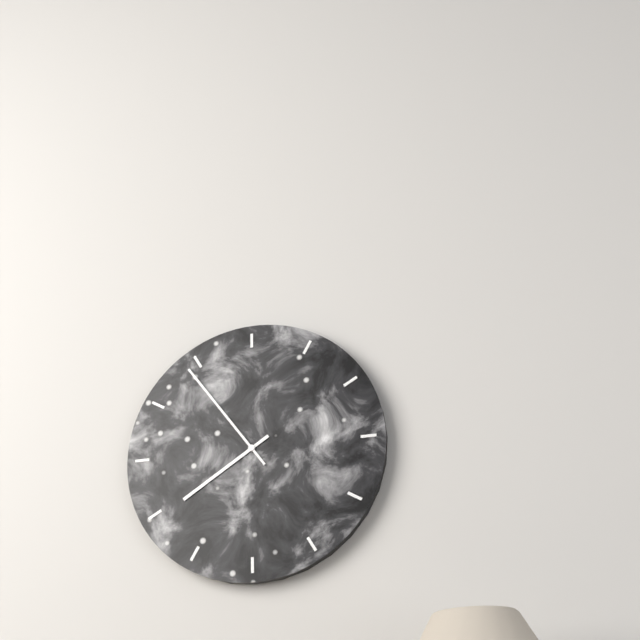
7h54
